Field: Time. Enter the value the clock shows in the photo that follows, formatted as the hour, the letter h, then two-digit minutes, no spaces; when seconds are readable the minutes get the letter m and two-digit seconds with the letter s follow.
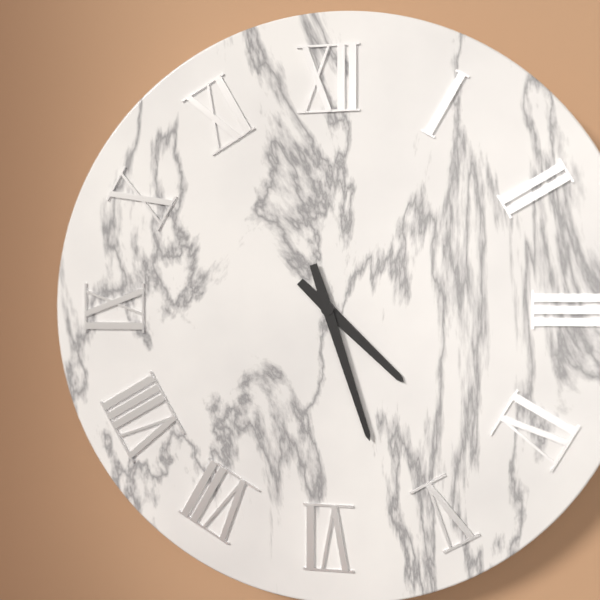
4h27
